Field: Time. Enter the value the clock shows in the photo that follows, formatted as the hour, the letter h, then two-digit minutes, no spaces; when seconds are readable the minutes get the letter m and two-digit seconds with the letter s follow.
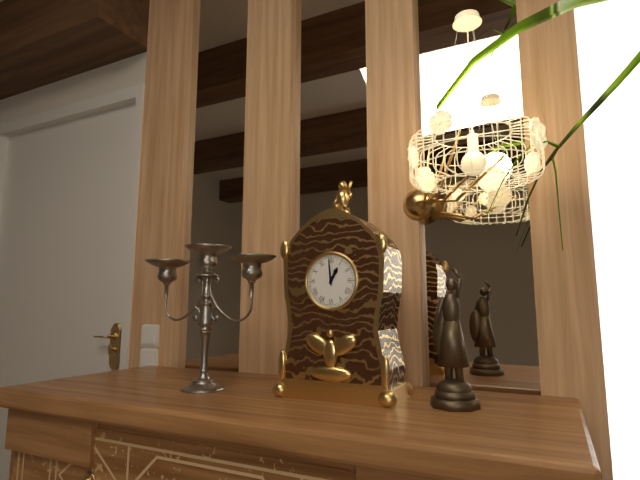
12h59
